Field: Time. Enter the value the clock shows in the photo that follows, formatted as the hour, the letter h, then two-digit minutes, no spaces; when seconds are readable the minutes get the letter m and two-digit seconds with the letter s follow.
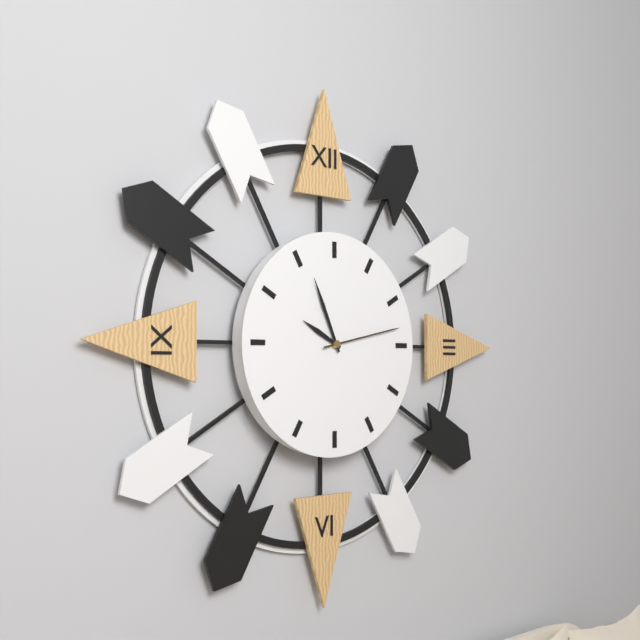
9h56m13s
